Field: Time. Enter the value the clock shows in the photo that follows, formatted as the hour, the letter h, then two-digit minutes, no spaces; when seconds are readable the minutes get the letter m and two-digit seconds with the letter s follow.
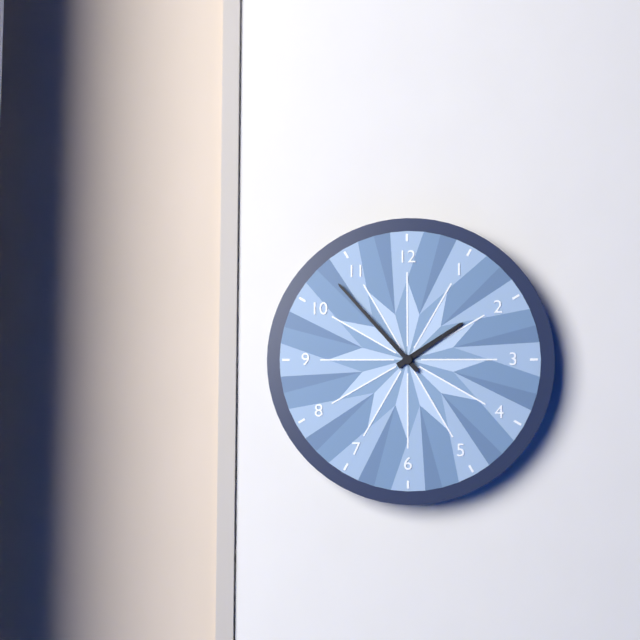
1h53
